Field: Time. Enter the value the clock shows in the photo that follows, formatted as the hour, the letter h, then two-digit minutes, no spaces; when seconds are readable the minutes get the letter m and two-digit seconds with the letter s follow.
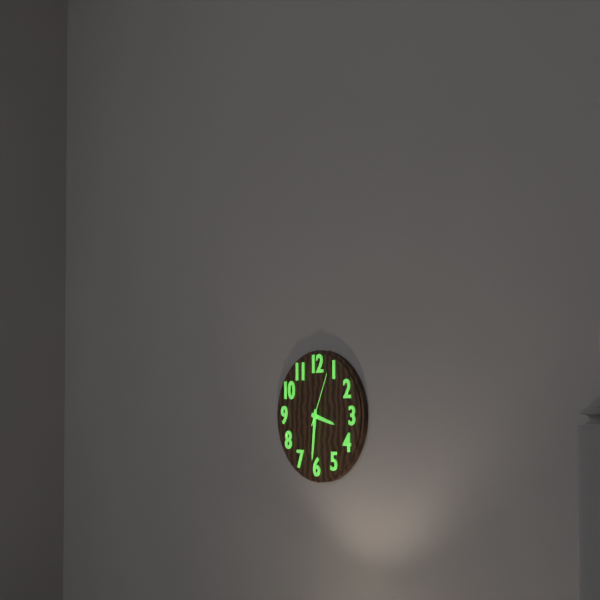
3h31m04s
